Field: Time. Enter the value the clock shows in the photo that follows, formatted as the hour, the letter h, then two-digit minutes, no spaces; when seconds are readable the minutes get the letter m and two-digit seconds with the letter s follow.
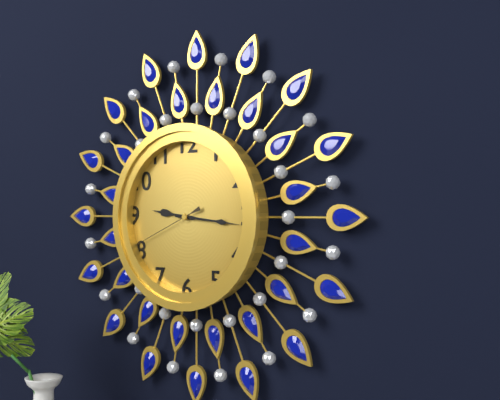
9h16m41s
